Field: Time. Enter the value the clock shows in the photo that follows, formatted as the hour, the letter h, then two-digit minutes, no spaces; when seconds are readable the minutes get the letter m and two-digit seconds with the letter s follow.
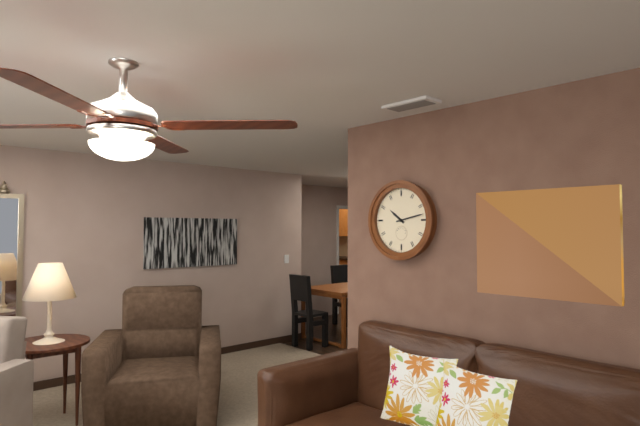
10h13
